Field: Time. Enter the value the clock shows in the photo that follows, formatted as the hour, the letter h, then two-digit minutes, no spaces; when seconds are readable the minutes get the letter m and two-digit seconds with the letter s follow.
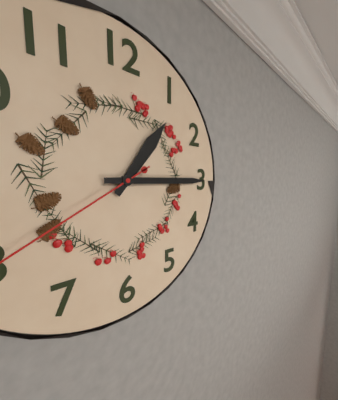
1h15
